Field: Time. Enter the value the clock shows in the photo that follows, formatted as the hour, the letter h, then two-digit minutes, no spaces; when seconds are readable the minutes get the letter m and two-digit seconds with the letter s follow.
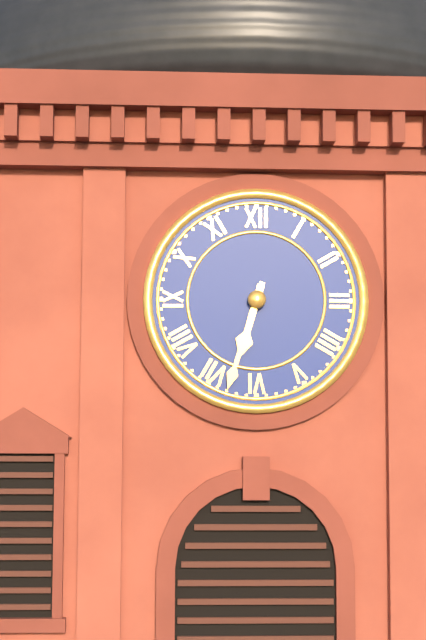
6h33
